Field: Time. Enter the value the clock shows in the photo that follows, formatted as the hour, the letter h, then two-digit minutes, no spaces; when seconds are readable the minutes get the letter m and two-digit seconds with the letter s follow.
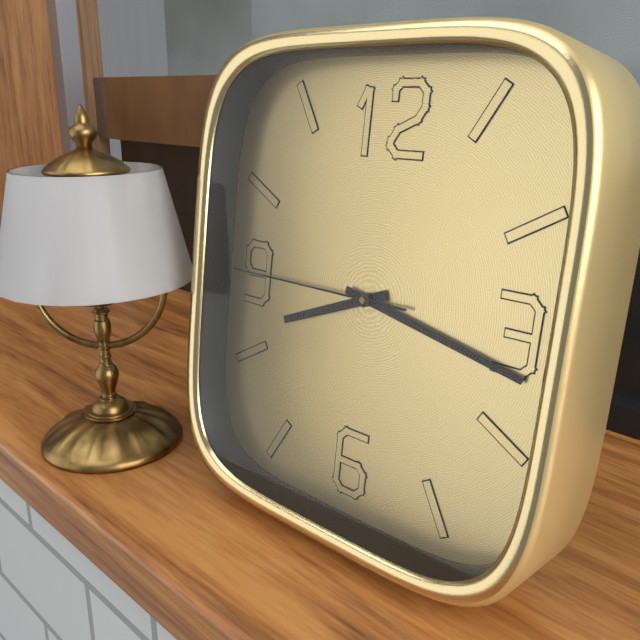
8h17m45s
